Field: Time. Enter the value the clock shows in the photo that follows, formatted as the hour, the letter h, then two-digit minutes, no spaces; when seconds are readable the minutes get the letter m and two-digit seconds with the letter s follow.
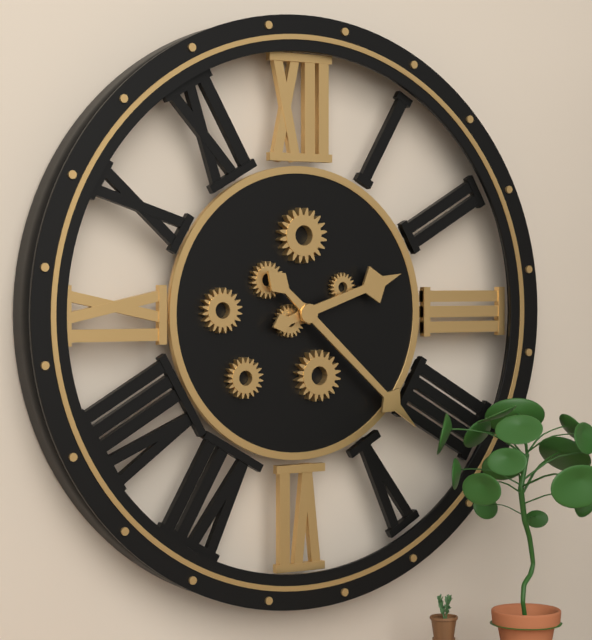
2h22
